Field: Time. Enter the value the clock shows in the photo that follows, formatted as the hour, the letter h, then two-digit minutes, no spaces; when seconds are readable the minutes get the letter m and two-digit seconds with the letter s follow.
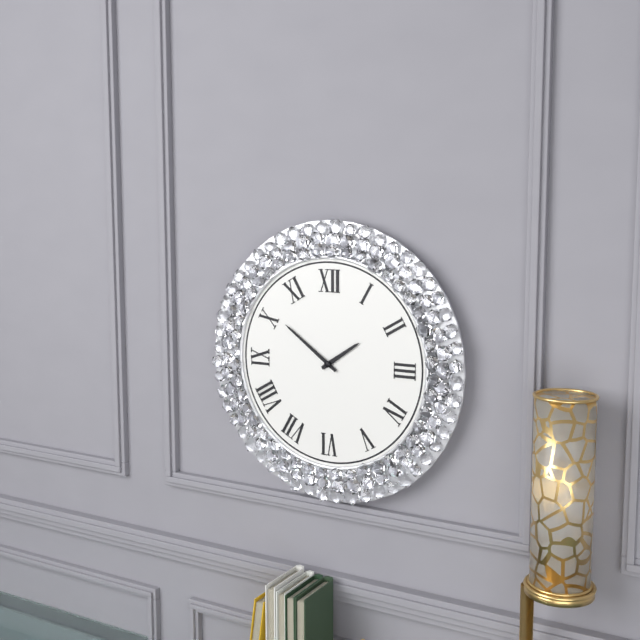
1h51
